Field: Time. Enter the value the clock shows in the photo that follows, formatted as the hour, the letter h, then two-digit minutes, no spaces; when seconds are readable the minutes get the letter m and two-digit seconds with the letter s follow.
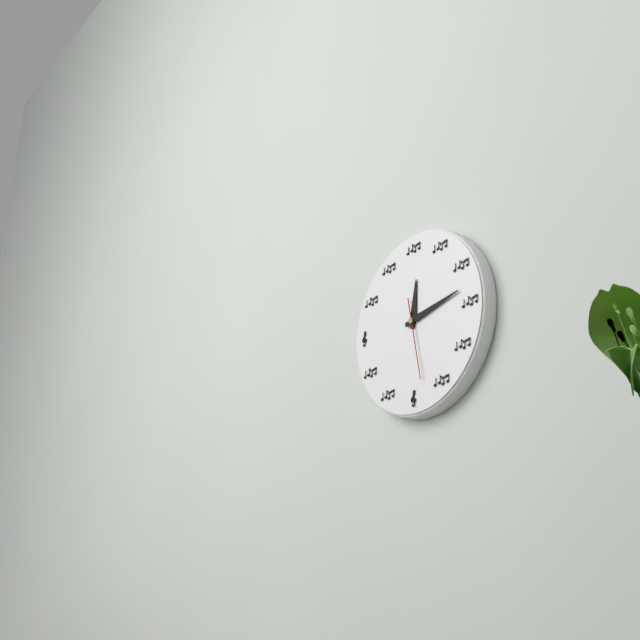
12h13m28s
